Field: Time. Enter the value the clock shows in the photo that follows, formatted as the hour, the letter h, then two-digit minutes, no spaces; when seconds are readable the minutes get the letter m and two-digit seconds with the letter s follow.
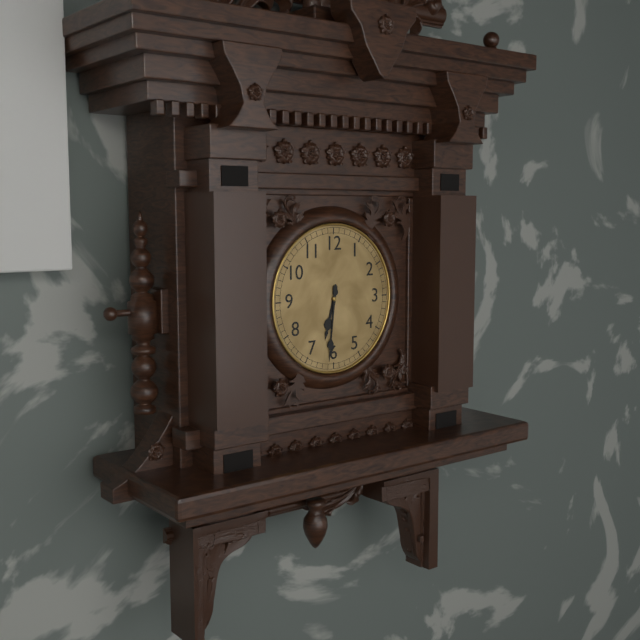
6h31
